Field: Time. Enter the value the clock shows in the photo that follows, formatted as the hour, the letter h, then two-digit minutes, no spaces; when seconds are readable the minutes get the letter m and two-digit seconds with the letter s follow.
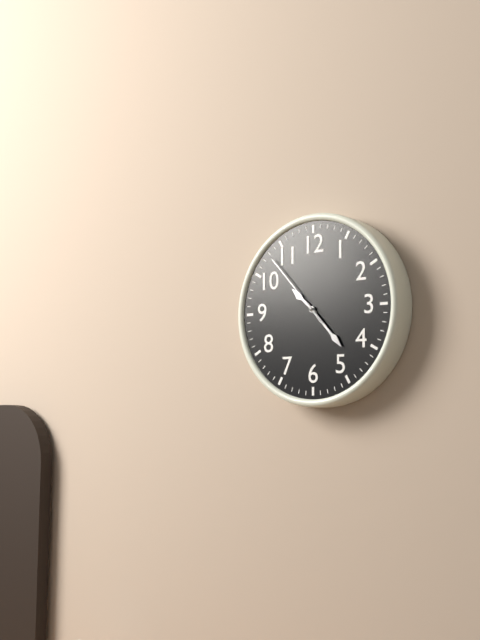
10h23m53s
